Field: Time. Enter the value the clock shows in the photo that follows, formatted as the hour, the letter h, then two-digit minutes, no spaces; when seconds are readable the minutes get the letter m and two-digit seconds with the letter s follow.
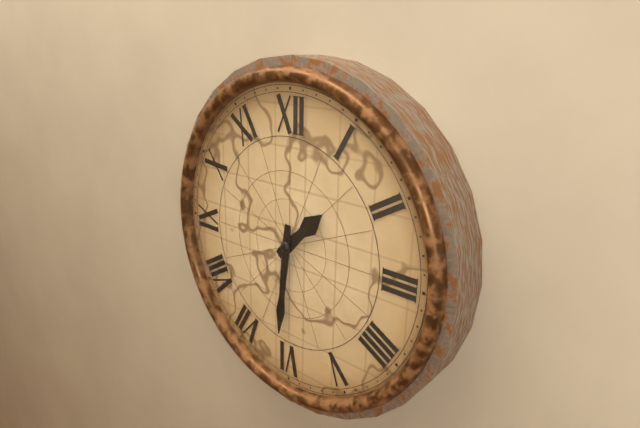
1h31
